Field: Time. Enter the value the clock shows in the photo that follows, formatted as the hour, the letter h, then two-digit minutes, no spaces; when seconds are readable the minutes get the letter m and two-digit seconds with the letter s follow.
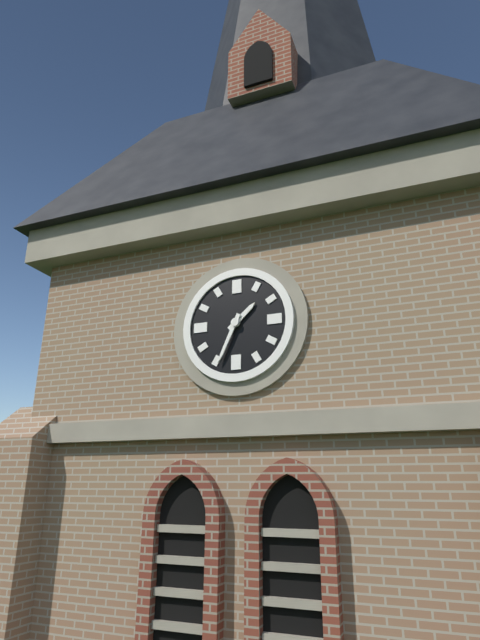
1h34
